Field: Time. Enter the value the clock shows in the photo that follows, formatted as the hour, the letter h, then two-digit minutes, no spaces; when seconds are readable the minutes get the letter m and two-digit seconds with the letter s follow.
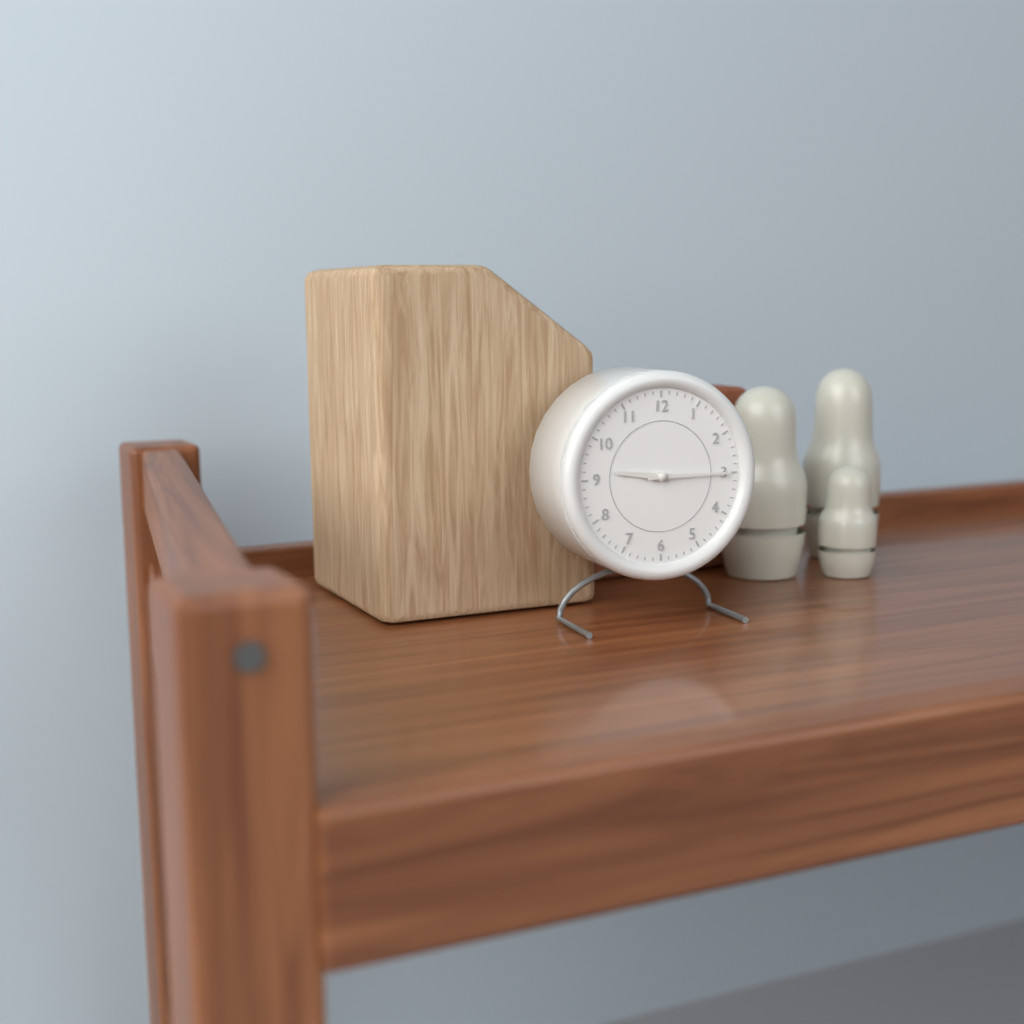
9h15
